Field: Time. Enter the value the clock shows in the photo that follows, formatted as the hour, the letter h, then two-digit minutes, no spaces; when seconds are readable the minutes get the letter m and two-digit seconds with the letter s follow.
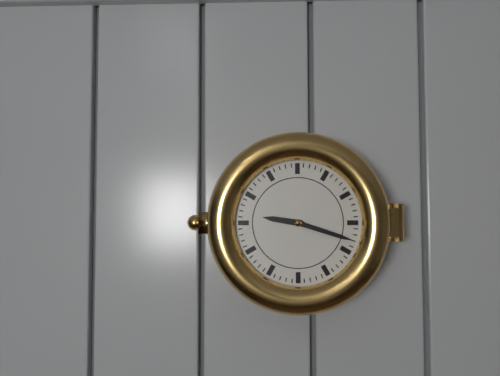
9h18
